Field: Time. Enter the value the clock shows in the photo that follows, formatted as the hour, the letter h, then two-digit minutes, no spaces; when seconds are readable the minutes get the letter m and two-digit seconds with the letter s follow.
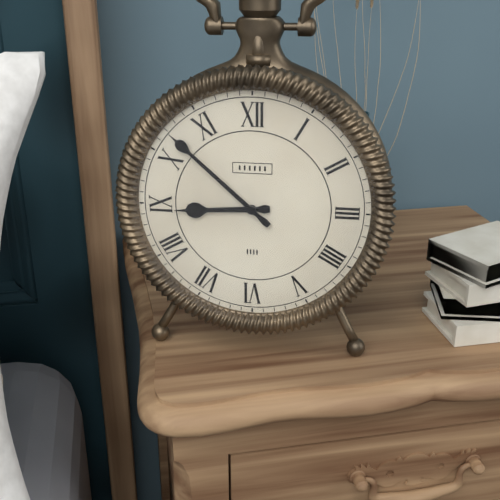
8h52
